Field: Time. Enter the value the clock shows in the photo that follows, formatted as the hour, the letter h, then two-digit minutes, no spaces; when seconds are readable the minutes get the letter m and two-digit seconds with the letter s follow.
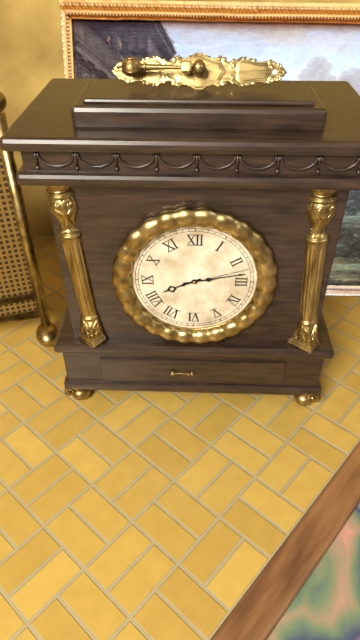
8h13m12s
